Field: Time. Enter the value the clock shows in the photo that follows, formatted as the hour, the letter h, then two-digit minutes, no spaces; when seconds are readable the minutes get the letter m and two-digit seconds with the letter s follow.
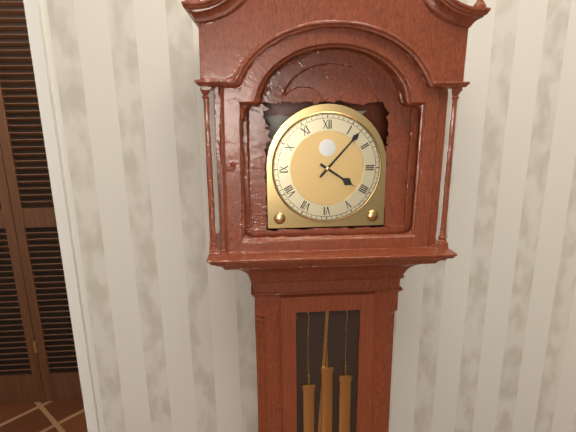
4h07
